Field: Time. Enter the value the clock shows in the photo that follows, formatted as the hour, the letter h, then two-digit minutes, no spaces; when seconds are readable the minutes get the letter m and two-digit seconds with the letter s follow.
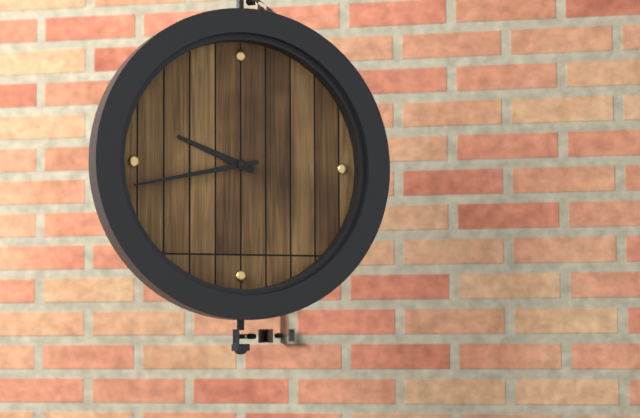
9h43
